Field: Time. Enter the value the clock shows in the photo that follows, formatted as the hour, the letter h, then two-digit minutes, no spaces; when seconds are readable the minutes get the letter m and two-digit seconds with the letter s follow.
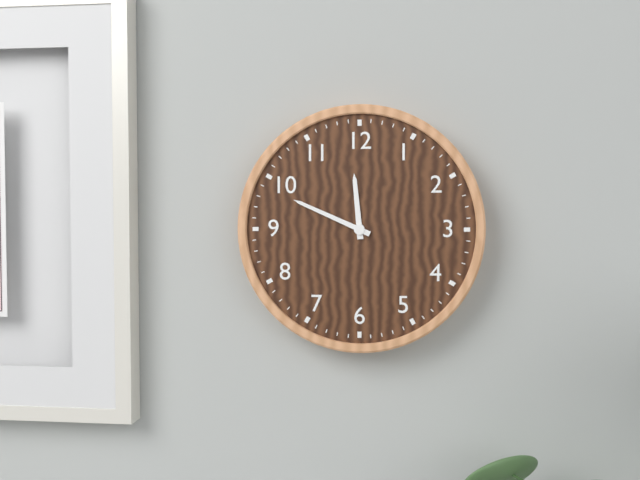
11h49
